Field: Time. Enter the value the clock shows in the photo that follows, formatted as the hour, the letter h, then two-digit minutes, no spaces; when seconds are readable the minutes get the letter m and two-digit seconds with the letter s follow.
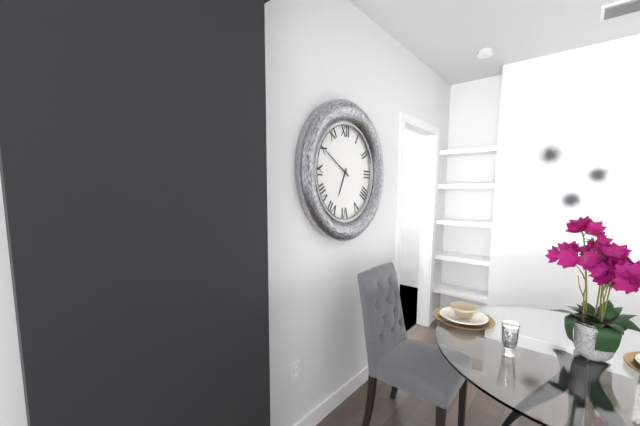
6h50
